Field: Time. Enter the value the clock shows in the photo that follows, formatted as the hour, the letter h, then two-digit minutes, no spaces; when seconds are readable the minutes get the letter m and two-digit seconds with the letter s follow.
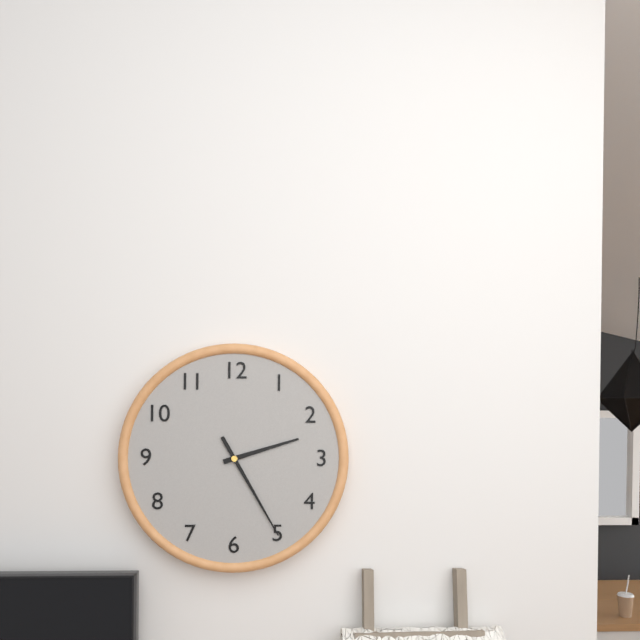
2h25
